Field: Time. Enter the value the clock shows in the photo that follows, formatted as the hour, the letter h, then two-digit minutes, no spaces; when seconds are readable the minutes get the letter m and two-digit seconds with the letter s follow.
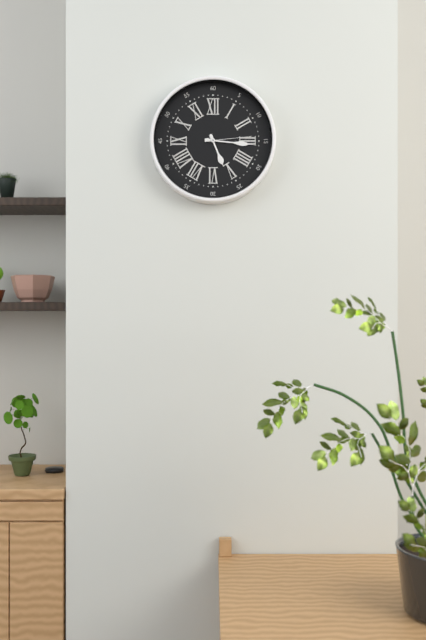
5h16
